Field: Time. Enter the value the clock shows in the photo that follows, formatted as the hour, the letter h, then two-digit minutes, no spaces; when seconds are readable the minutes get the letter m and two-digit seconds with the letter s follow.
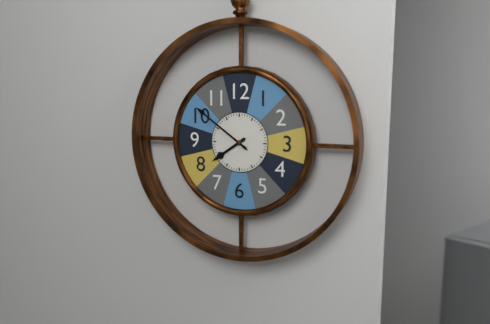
7h51
